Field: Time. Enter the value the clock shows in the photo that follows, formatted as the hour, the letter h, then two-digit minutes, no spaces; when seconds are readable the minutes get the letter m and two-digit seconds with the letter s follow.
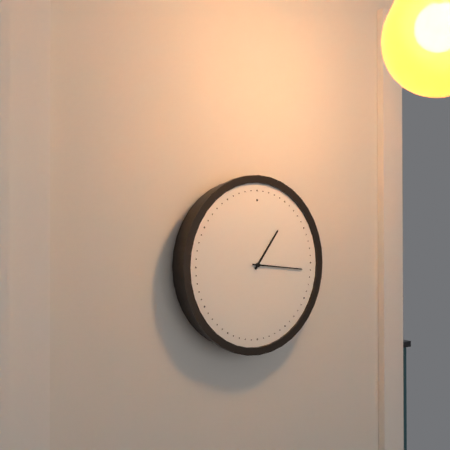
1h16
